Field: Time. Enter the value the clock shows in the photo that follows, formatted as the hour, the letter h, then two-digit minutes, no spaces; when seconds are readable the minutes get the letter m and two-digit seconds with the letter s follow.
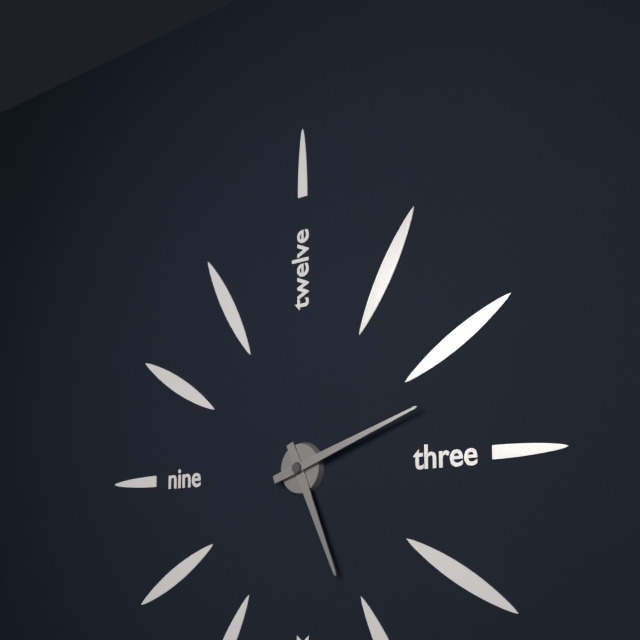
5h12
